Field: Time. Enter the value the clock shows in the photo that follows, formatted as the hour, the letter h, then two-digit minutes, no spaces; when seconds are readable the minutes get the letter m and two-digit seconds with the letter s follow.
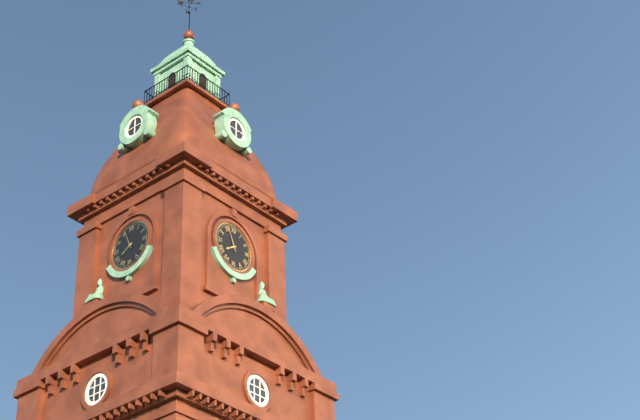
7h56
